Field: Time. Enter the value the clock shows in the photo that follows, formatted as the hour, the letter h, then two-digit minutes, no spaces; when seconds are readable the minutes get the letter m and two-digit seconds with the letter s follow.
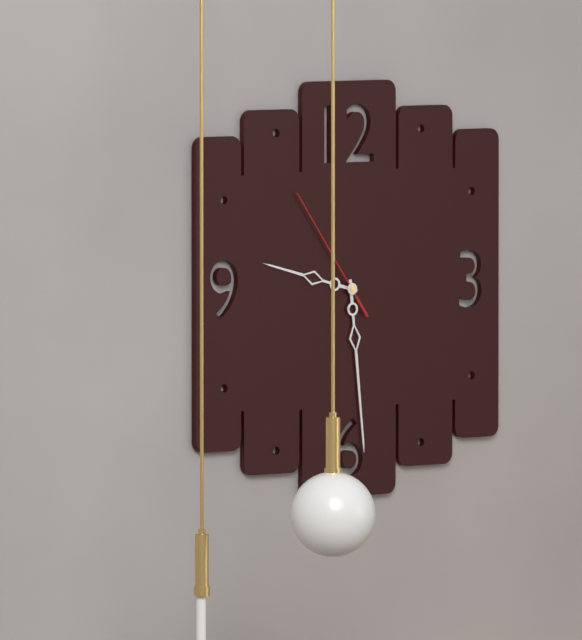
9h29m54s
